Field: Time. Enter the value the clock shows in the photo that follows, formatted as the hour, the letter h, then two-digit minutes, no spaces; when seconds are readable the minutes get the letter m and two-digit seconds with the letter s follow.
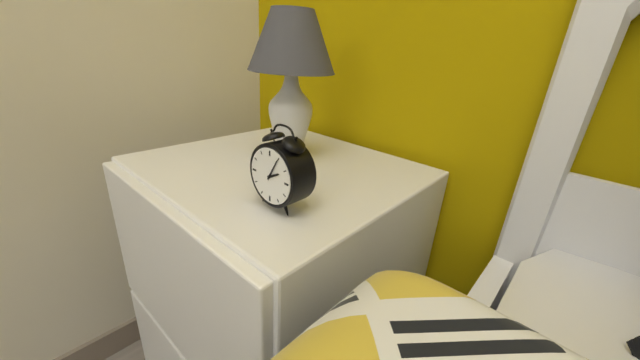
2h05
